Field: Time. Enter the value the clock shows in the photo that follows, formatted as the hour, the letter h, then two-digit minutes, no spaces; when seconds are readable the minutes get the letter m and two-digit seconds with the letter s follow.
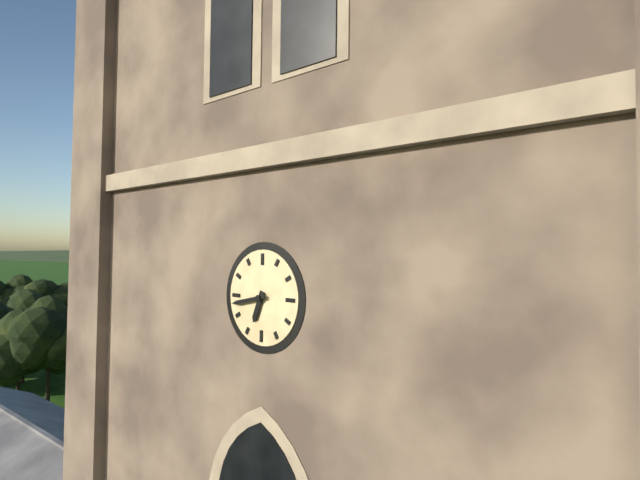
6h43
